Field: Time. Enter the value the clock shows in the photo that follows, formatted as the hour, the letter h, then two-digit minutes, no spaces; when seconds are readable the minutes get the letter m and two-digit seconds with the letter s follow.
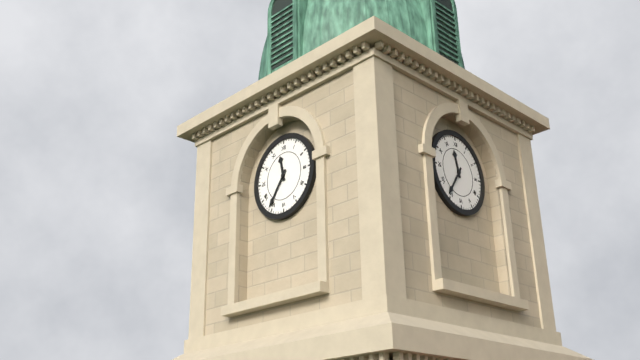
11h36
